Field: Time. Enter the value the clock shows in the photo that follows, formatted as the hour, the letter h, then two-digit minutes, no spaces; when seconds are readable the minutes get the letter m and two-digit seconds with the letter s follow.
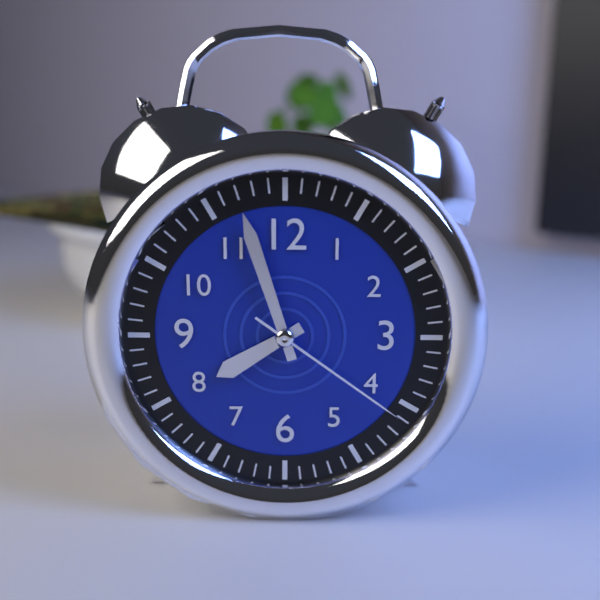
7h57m21s
